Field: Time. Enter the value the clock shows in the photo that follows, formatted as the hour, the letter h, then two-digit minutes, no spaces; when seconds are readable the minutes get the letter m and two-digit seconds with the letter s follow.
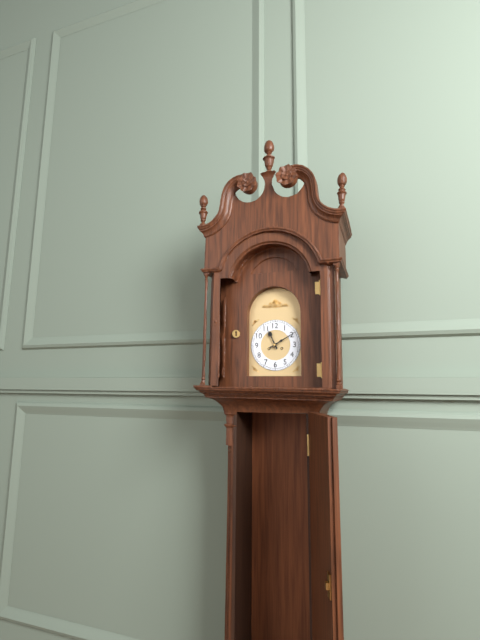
11h10
